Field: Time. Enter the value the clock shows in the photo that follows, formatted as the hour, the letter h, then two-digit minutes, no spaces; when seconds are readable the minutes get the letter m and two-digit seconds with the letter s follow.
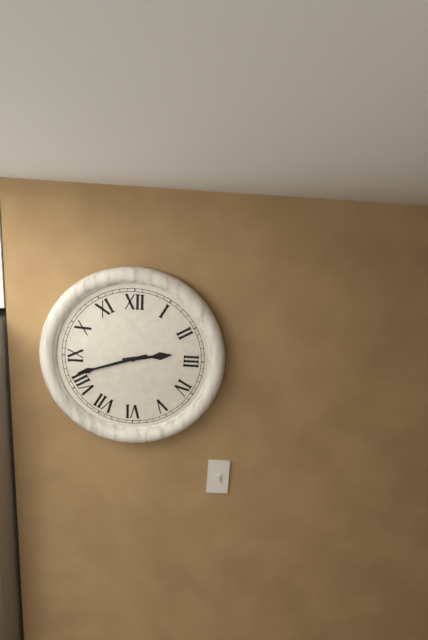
2h42
